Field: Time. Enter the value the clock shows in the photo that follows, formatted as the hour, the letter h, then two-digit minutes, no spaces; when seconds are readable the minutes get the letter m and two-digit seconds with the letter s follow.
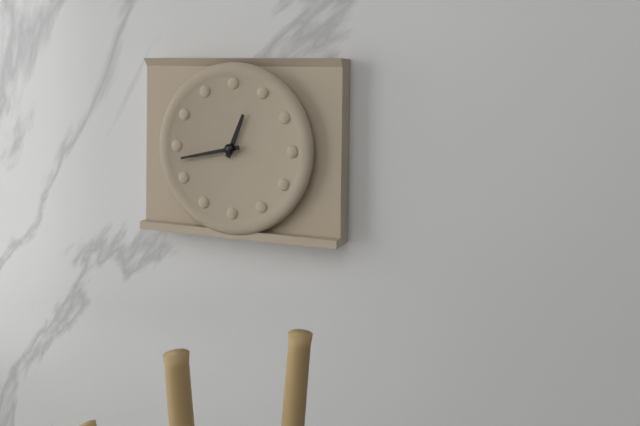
12h43
